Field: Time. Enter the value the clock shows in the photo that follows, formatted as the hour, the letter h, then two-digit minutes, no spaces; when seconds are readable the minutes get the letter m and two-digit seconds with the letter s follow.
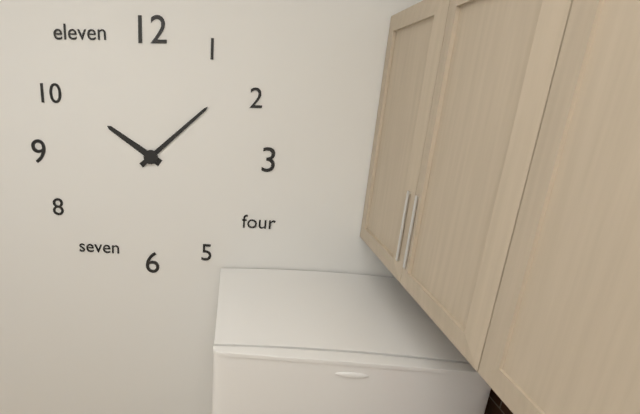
10h08
